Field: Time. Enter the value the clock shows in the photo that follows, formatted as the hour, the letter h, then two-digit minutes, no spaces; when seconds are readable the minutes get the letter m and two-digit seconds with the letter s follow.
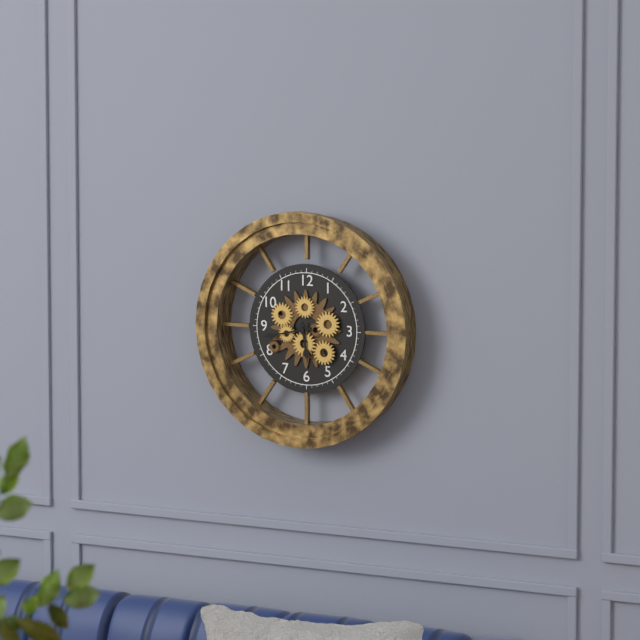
5h43
